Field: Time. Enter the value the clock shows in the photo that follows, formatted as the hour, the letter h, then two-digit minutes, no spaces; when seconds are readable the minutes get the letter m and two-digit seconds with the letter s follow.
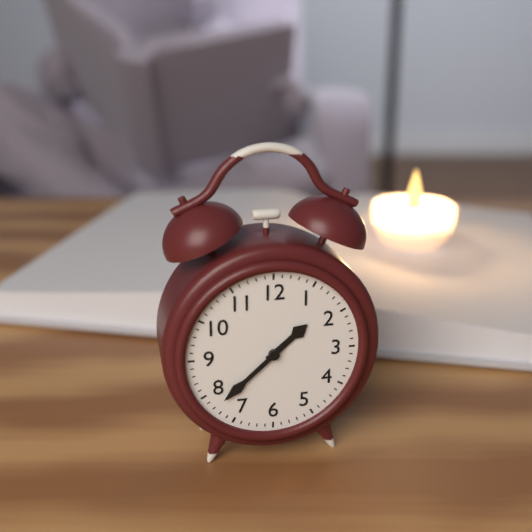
1h38
